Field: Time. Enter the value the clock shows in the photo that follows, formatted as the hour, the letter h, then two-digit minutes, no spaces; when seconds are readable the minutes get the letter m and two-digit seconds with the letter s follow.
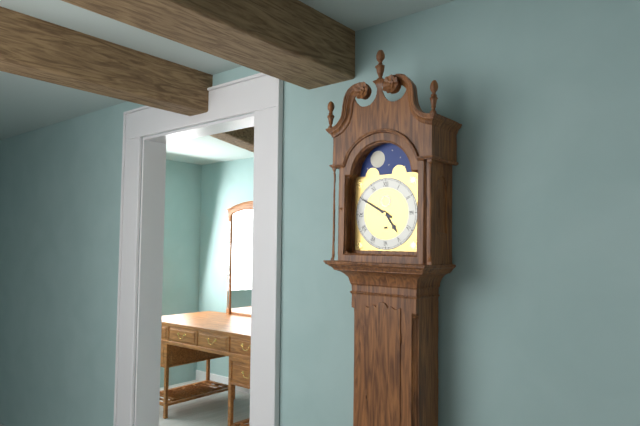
4h50
